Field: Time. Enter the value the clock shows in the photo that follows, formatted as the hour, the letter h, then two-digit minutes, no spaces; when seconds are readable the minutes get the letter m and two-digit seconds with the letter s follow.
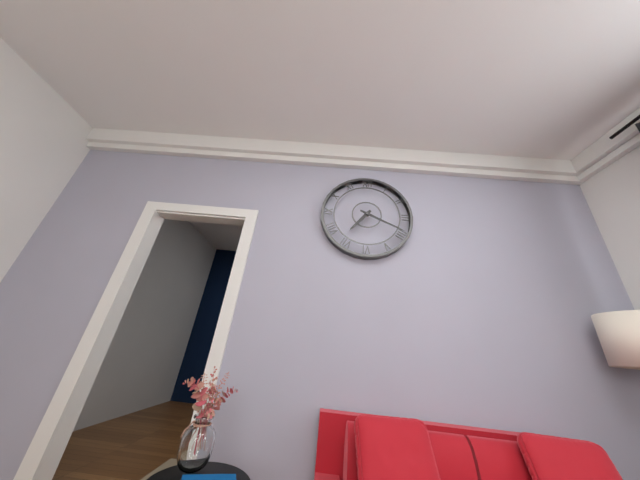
7h19
